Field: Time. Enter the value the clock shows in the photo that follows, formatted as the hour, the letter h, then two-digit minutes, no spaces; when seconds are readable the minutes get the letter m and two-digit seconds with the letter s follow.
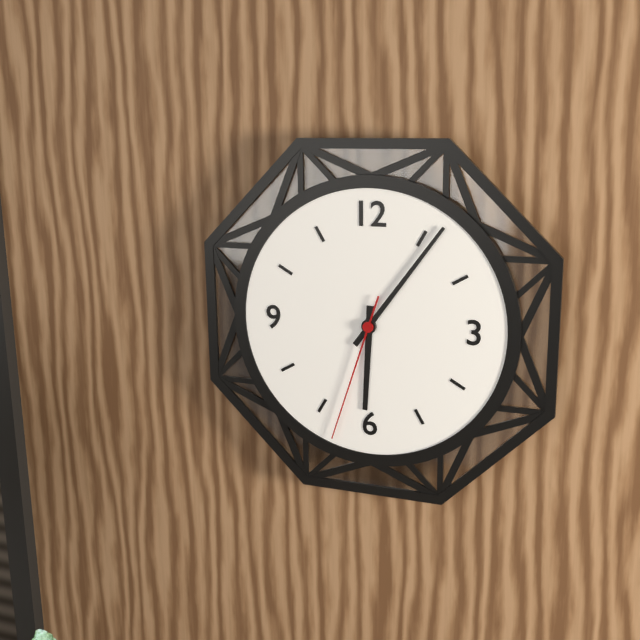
6h06m33s
